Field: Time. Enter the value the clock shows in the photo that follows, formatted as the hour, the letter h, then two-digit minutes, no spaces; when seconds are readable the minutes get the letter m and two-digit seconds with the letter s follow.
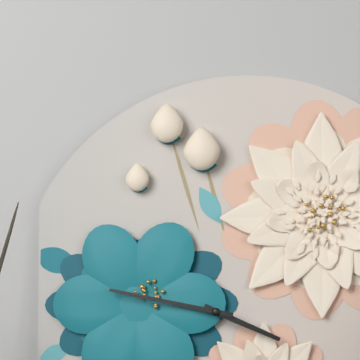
3h47
